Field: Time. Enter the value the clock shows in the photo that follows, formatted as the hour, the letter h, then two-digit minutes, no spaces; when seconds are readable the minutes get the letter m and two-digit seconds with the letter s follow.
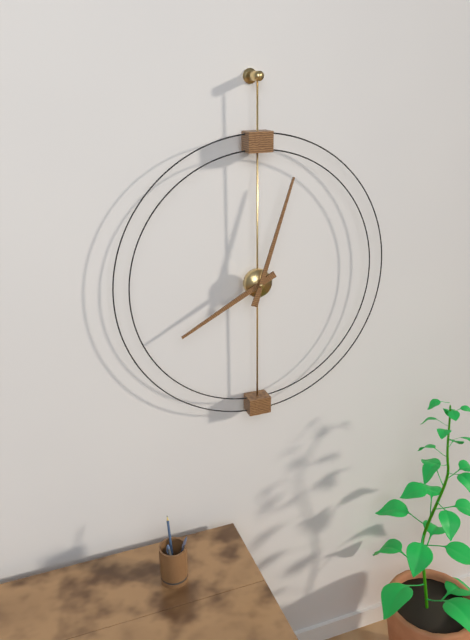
8h03
